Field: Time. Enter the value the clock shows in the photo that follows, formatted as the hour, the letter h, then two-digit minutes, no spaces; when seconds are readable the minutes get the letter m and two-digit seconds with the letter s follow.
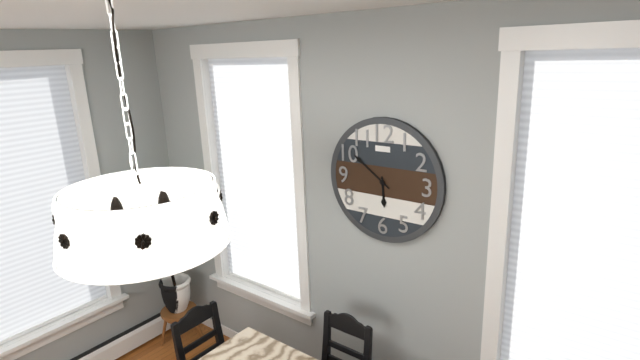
5h51
